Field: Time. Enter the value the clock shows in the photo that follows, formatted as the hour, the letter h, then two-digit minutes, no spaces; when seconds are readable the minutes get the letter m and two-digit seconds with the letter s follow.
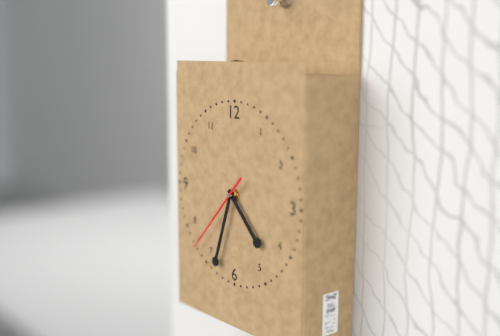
4h33m37s
